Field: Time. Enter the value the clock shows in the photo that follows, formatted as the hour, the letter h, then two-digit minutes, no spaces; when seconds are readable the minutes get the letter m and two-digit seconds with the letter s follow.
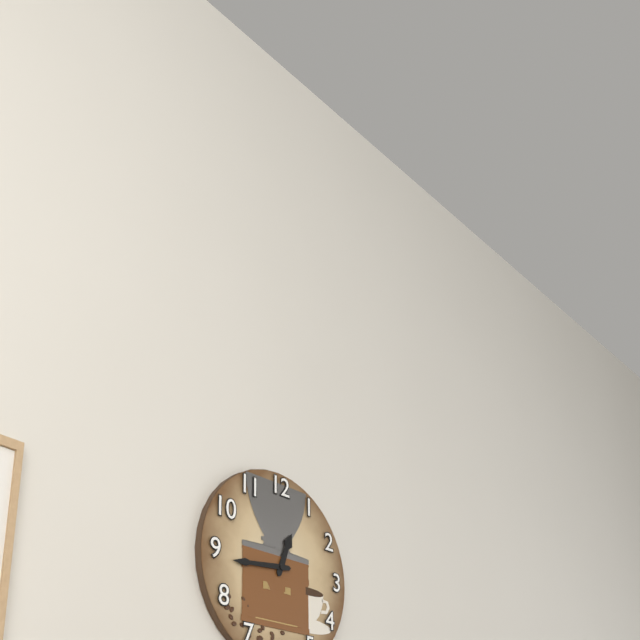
12h44
